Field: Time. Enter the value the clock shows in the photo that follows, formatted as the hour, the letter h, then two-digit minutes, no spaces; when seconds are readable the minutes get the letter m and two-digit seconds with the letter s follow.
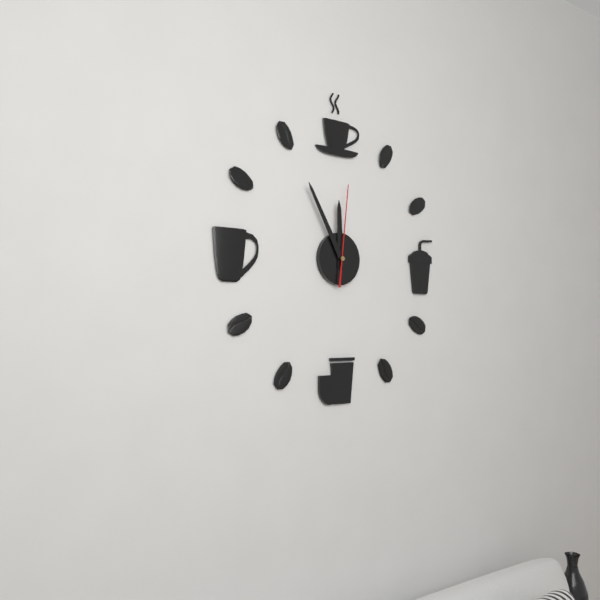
11h55m01s
